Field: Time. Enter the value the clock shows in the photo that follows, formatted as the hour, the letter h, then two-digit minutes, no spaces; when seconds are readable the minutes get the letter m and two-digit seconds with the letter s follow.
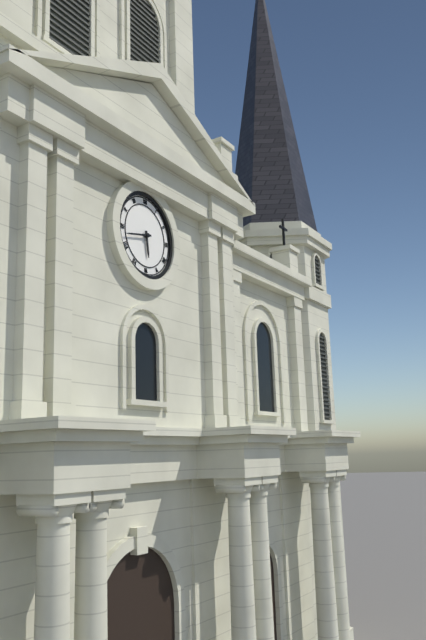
5h43
